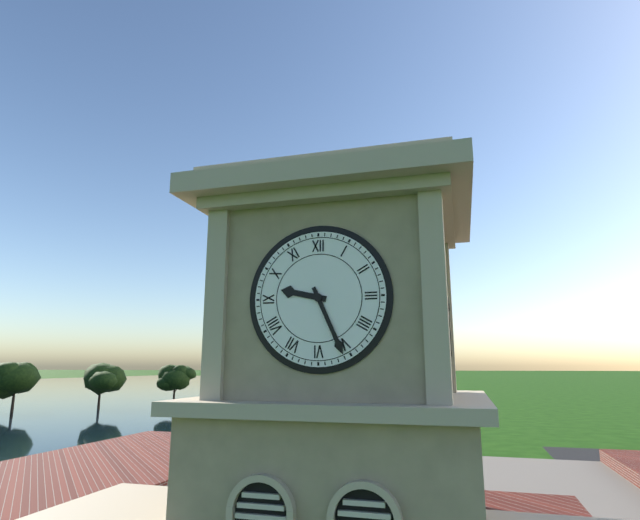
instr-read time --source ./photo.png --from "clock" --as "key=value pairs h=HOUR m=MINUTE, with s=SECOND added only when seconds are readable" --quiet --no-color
h=9 m=26
